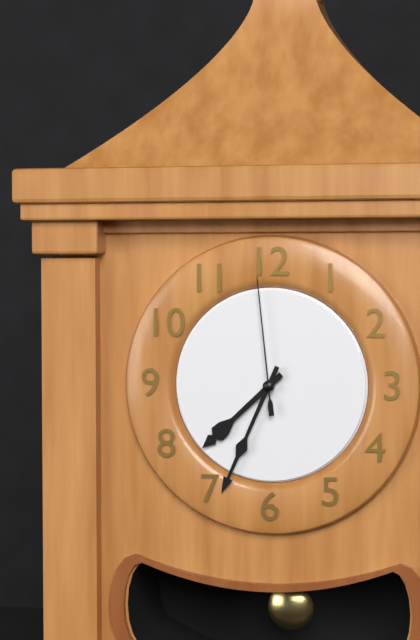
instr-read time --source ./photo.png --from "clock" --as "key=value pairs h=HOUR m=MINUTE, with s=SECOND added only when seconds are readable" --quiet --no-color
h=7 m=34 s=59
